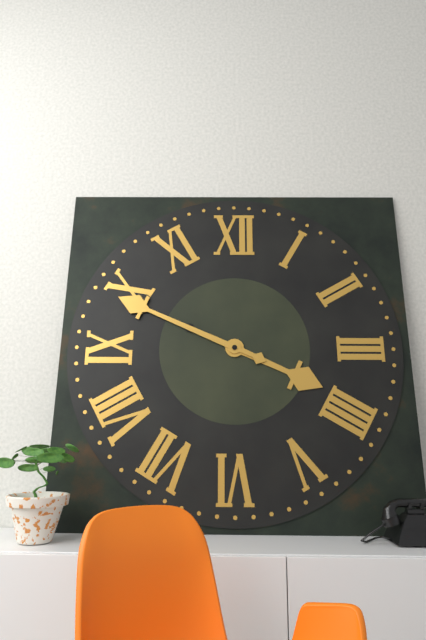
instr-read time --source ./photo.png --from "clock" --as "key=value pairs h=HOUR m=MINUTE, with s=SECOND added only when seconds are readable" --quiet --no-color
h=3 m=49
